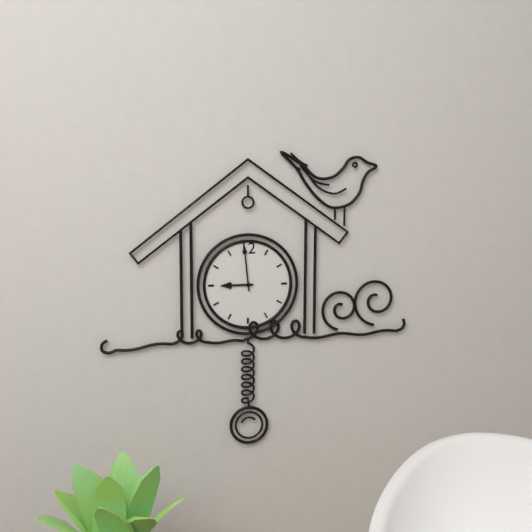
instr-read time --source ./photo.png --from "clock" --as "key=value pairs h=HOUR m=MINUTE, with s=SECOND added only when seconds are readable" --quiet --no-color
h=8 m=59
